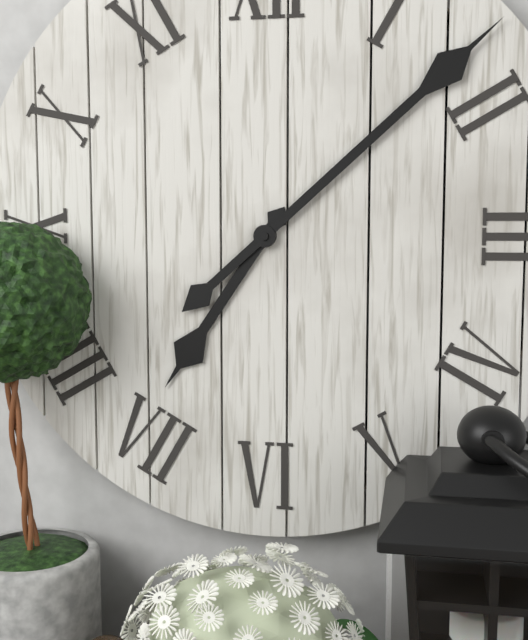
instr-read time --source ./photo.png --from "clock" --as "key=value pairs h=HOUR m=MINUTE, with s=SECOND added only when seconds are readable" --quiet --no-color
h=7 m=8
